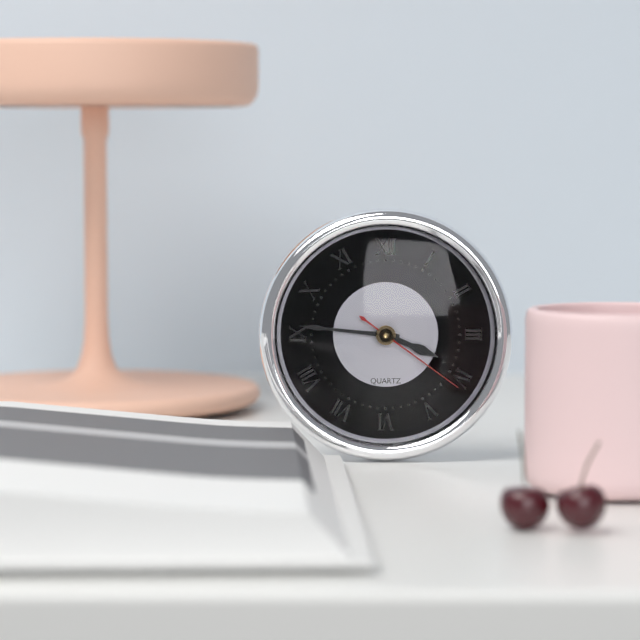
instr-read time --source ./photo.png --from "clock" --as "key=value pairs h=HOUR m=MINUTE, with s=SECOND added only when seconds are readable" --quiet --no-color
h=3 m=46 s=21
